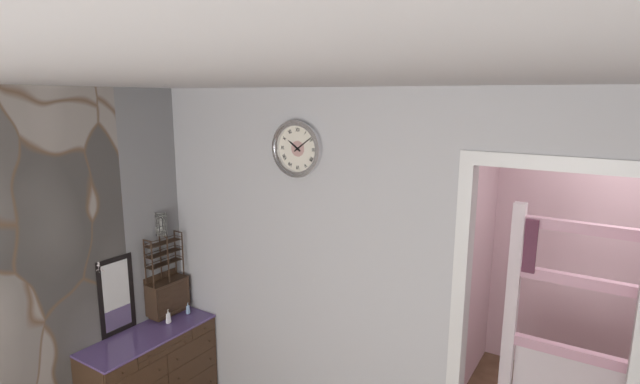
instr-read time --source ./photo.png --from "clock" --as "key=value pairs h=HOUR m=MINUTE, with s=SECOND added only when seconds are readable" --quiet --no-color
h=10 m=9
